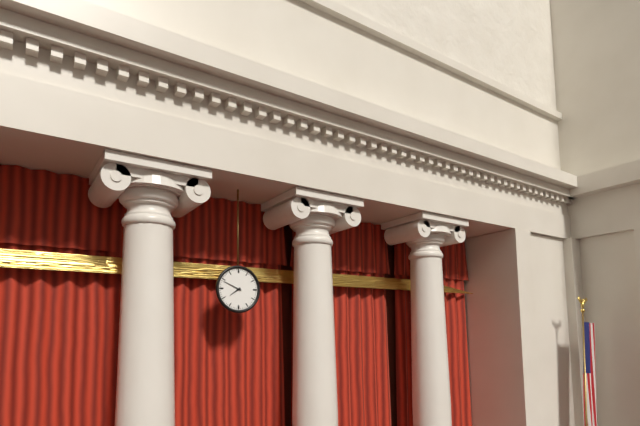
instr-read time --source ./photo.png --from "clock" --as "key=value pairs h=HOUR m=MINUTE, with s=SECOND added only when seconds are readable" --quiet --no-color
h=7 m=49
